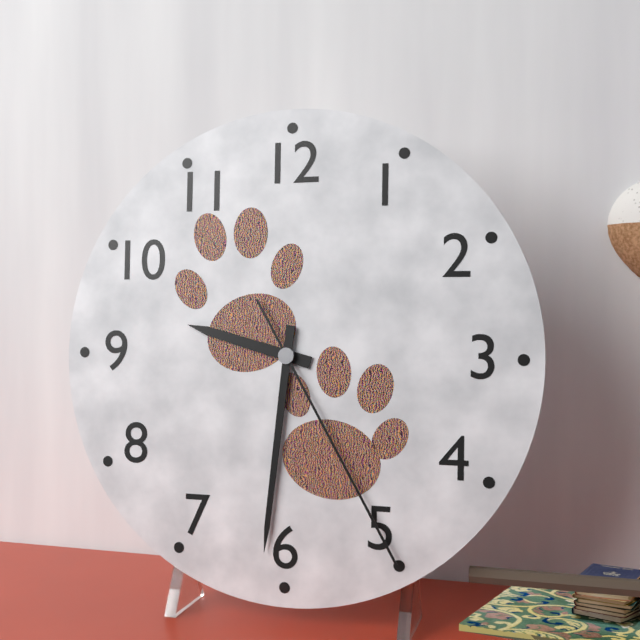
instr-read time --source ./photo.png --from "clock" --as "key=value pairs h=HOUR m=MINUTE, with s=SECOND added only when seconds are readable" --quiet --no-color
h=9 m=31 s=25
